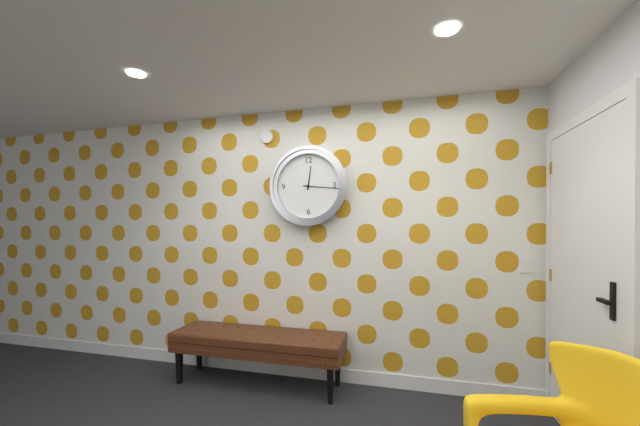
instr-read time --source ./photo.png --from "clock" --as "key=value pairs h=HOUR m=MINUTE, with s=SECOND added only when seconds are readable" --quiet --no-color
h=12 m=16
